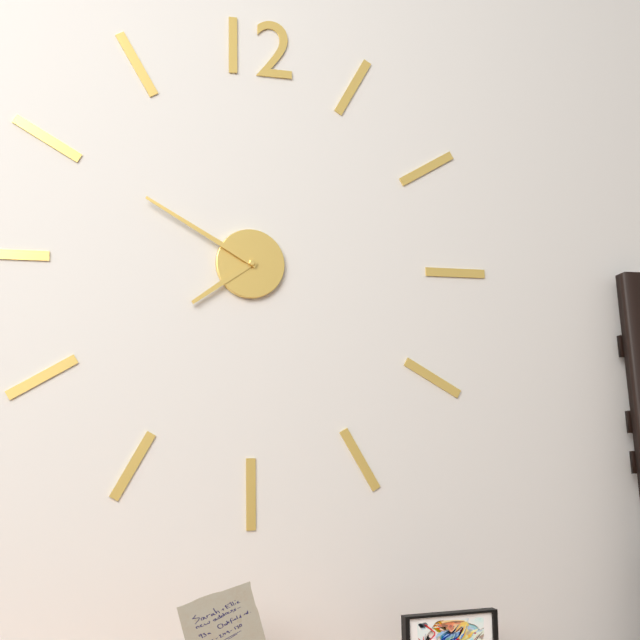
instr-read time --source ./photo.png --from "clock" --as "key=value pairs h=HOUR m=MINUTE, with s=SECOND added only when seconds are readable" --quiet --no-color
h=7 m=50
